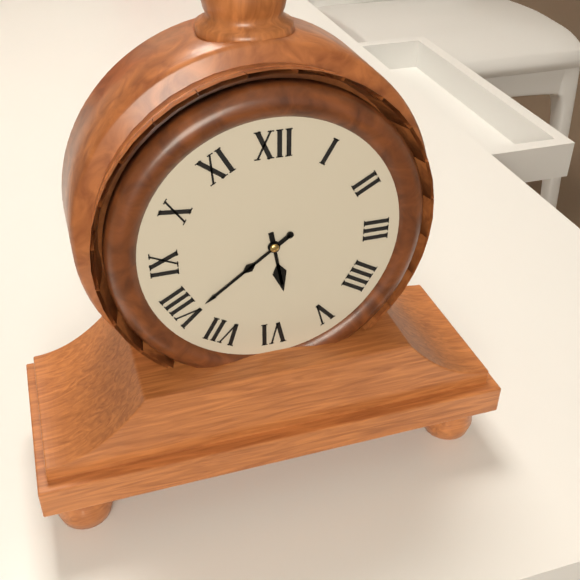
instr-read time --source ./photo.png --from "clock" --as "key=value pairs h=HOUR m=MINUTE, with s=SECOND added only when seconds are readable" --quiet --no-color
h=5 m=39
